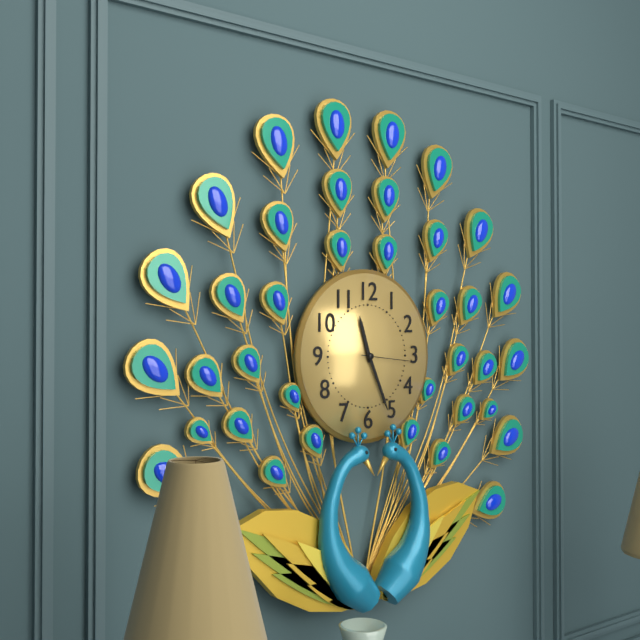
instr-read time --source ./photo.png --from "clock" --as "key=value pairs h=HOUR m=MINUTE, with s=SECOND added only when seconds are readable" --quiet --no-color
h=11 m=26 s=16
